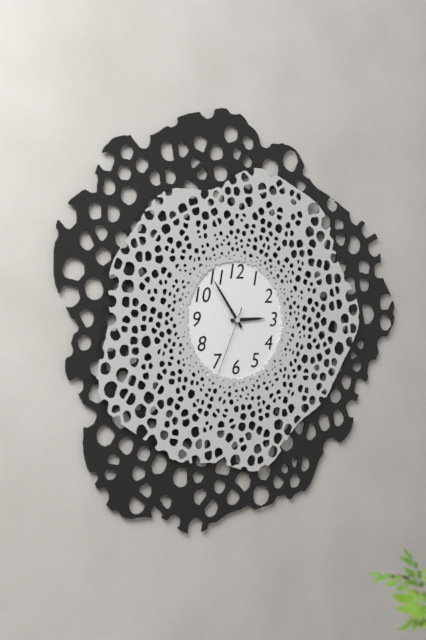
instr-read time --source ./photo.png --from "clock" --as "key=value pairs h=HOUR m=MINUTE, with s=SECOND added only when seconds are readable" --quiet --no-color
h=2 m=54 s=34
